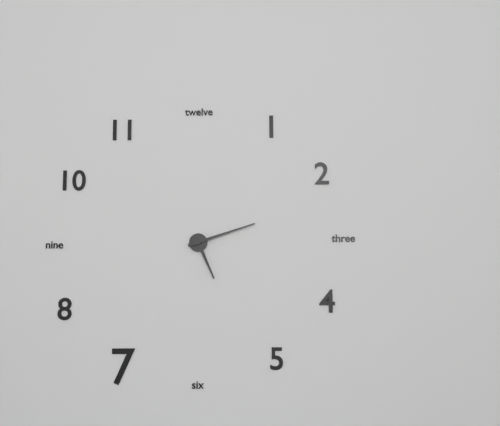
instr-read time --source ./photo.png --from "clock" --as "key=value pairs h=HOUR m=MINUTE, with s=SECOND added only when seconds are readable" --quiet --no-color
h=5 m=12
